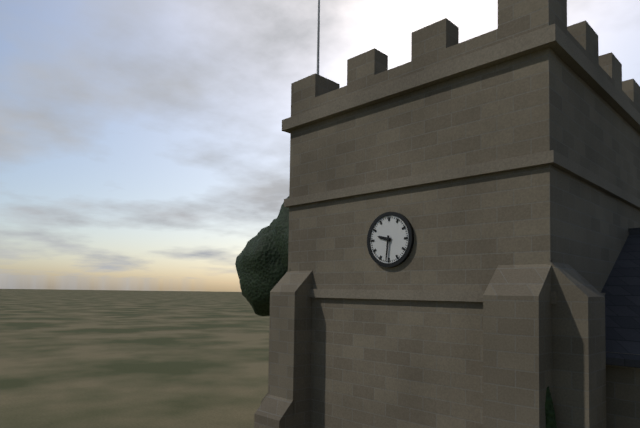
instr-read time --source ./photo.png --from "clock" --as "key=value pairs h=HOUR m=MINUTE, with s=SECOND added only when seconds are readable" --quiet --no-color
h=9 m=31
